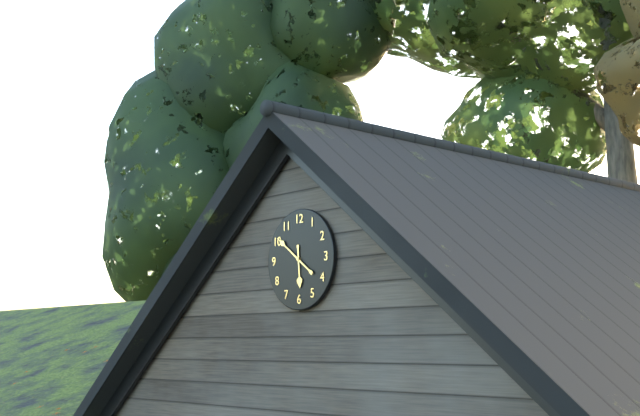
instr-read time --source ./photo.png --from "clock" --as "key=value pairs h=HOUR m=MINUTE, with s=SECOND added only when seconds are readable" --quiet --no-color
h=5 m=51
